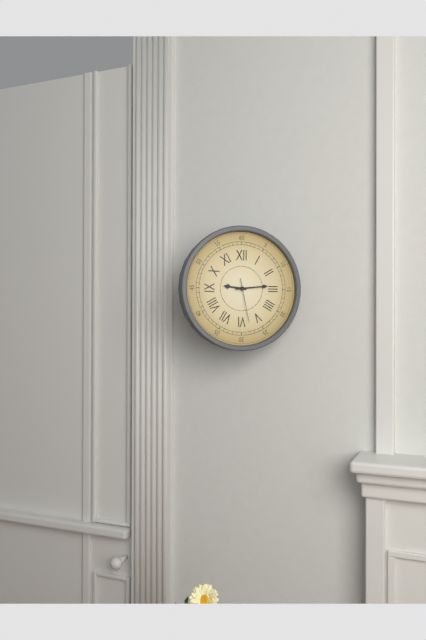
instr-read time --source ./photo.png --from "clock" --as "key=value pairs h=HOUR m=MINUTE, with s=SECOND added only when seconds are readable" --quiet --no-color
h=9 m=14
